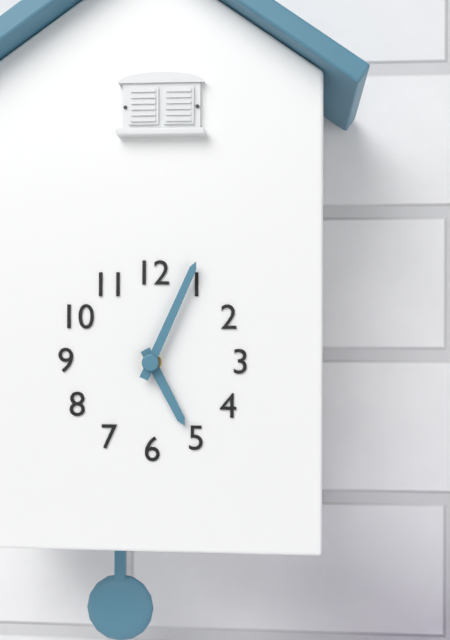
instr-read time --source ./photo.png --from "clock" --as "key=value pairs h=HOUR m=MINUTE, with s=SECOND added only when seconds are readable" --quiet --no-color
h=5 m=4
